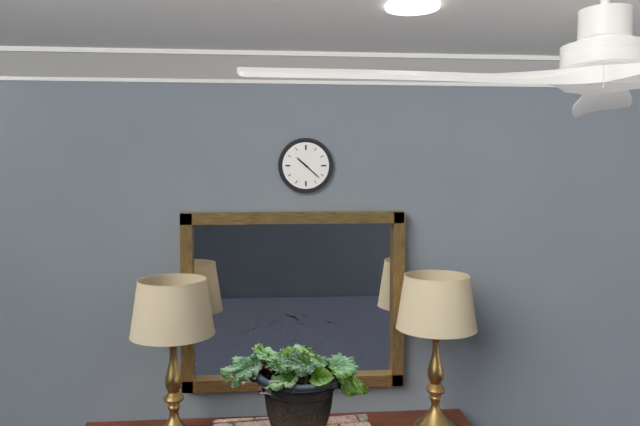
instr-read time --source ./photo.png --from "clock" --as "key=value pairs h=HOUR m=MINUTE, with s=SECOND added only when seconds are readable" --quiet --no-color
h=10 m=22
